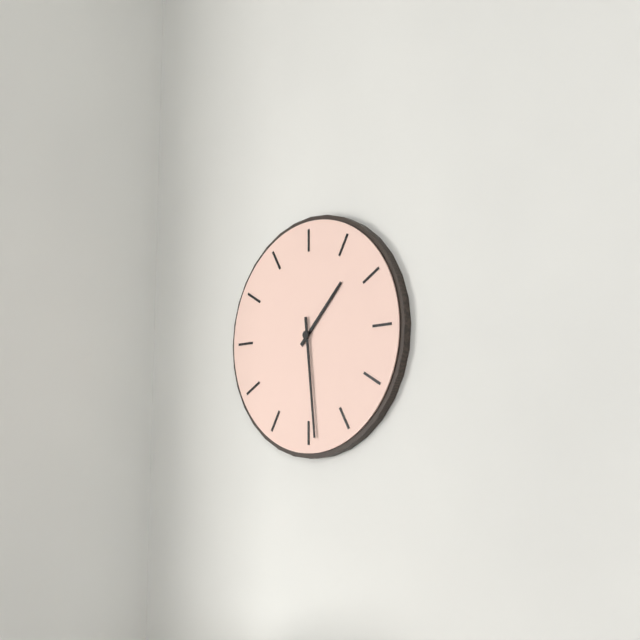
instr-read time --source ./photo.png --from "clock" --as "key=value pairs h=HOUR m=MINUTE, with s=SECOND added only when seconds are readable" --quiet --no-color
h=1 m=29
